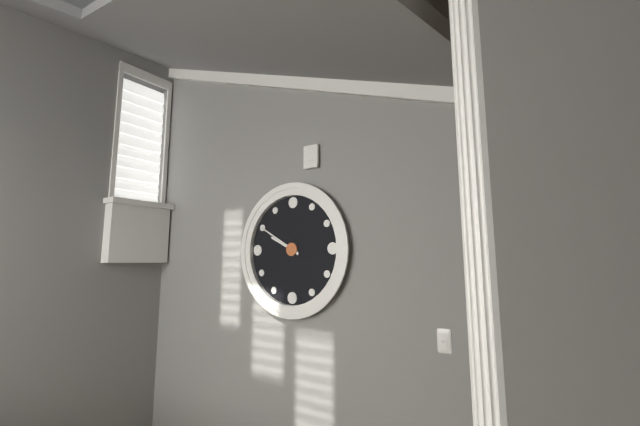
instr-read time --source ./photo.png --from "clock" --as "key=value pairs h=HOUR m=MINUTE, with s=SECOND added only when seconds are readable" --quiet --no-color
h=9 m=50
